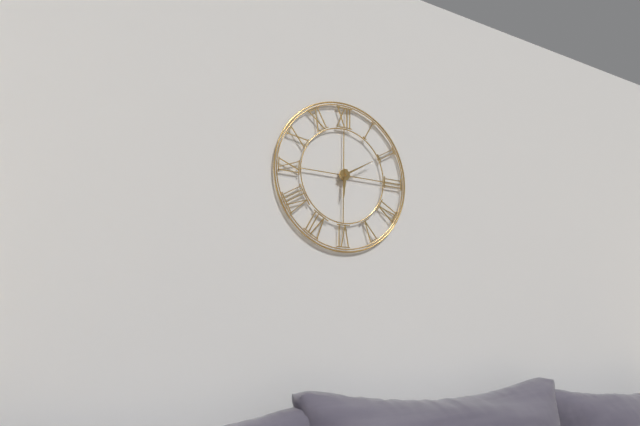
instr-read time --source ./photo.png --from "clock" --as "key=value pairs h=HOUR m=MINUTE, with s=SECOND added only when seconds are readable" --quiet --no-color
h=6 m=10
